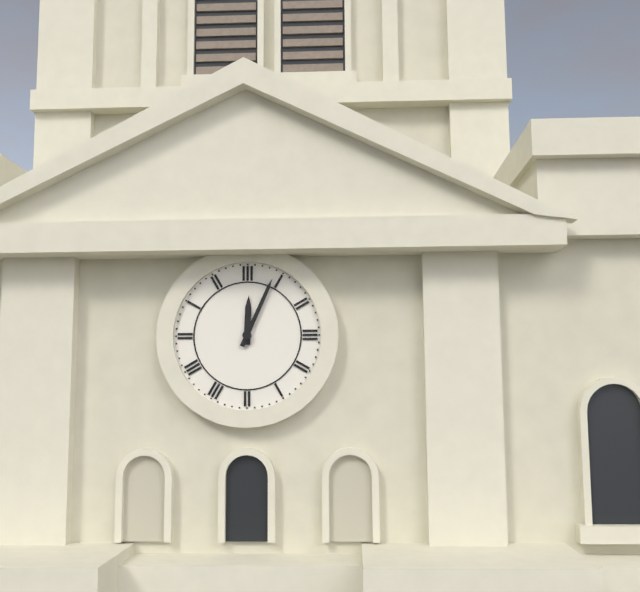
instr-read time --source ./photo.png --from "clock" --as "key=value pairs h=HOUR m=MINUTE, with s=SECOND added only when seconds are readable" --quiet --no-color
h=12 m=4
